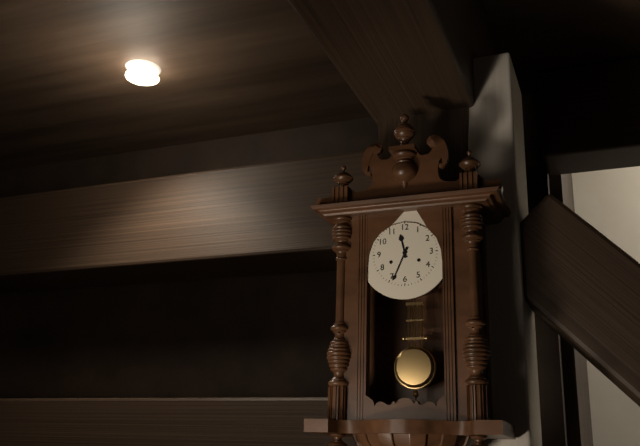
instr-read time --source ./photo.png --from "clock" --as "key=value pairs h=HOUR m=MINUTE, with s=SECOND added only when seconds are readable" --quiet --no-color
h=11 m=34
